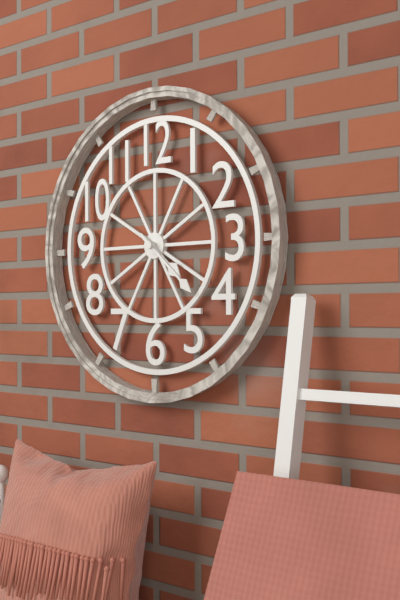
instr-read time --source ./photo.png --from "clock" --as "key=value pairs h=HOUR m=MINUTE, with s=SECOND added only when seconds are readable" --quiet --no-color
h=4 m=22
